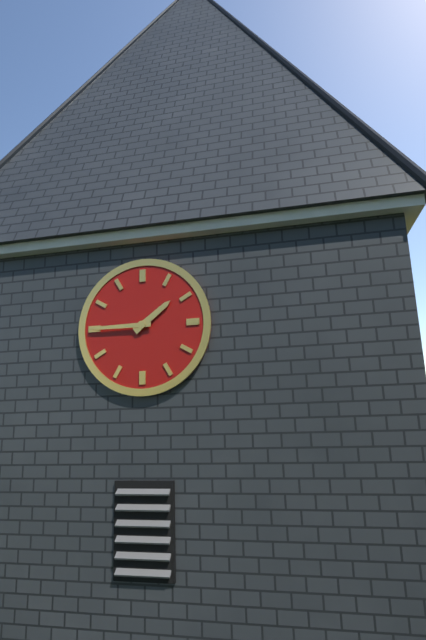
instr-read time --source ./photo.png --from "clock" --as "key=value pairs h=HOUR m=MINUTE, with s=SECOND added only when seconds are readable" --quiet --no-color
h=1 m=45
